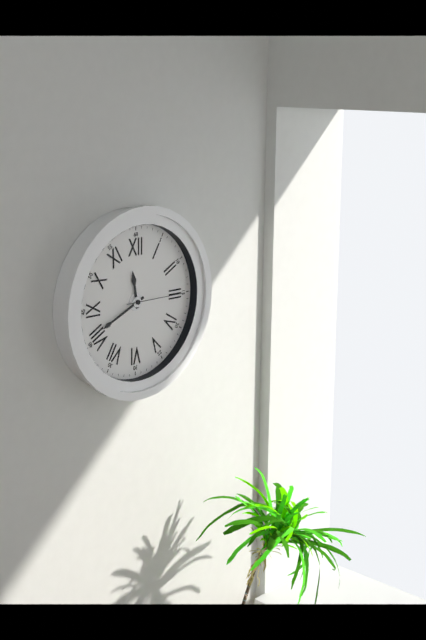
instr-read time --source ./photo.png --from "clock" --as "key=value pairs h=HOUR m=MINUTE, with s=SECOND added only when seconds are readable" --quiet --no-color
h=11 m=41 s=15
